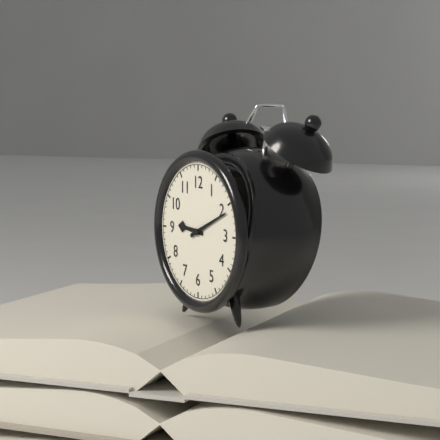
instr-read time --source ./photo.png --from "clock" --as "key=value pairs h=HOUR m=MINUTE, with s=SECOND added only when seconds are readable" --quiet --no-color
h=9 m=11
